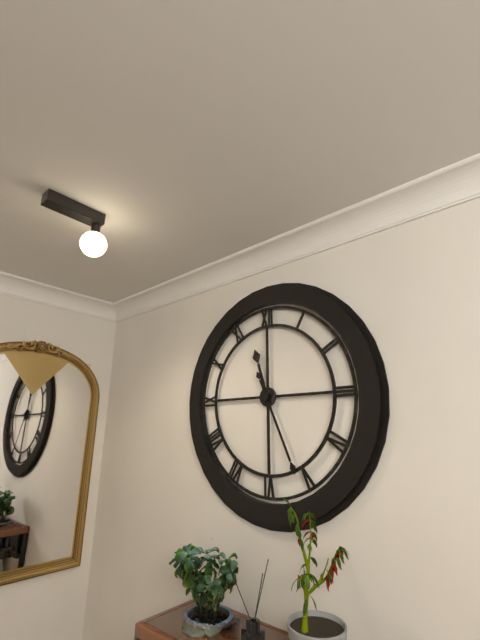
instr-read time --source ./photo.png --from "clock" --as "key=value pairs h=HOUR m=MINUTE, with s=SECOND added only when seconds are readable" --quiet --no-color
h=11 m=26
